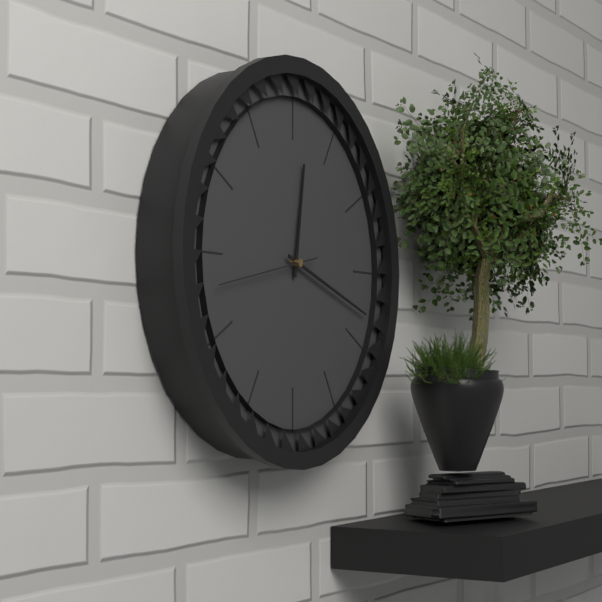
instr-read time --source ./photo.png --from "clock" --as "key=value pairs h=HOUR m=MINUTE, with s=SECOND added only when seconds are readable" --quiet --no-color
h=12 m=18 s=43
